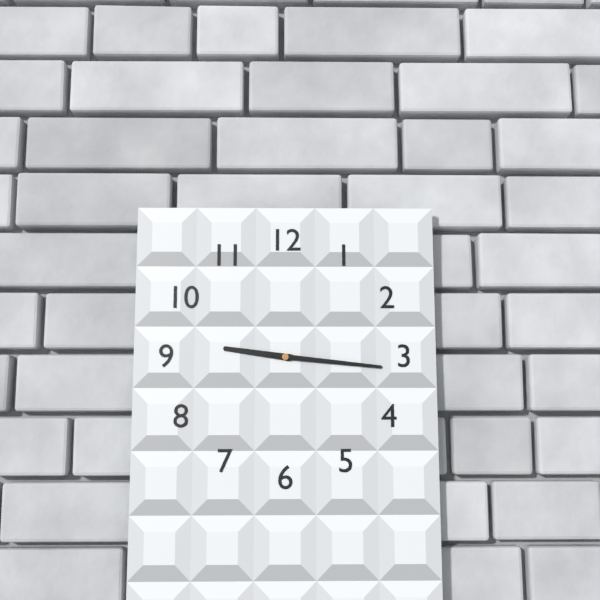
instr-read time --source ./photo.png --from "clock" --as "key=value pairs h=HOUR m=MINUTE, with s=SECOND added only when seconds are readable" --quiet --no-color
h=9 m=16 s=16
